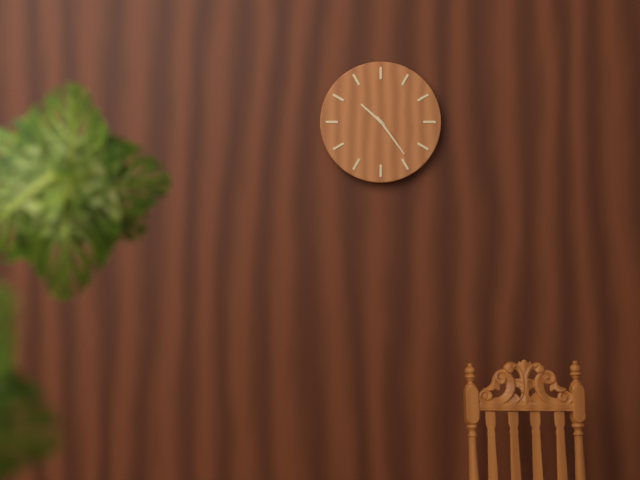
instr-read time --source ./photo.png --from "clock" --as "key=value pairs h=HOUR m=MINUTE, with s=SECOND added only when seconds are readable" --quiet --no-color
h=10 m=24
